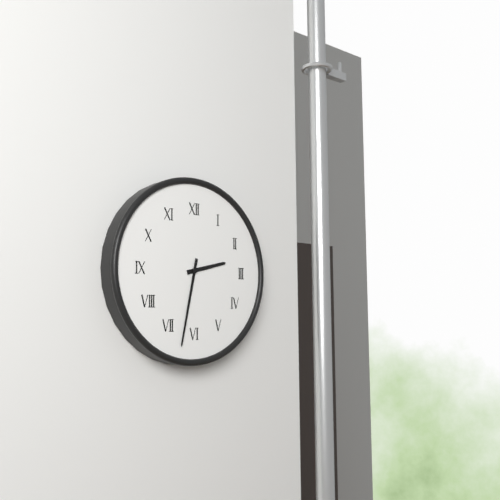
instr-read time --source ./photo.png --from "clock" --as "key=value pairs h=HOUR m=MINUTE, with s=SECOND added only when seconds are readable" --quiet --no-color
h=2 m=32
